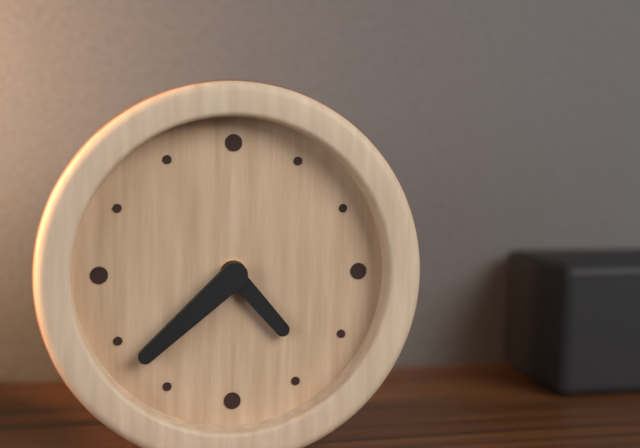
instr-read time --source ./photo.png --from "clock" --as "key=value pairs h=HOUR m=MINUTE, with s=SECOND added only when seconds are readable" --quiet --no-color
h=4 m=38
